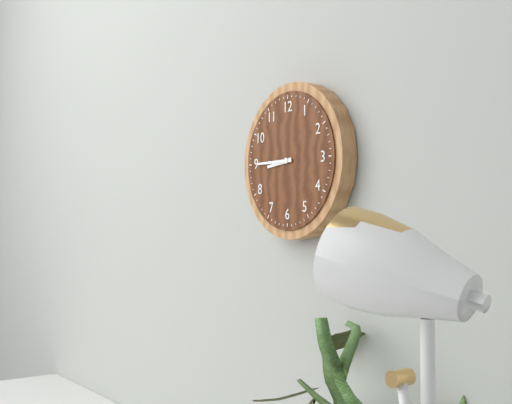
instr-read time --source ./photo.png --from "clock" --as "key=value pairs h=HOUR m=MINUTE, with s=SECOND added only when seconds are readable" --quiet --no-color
h=8 m=45
